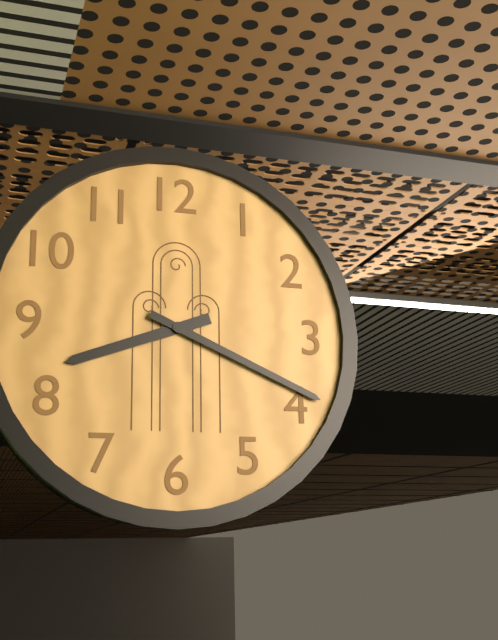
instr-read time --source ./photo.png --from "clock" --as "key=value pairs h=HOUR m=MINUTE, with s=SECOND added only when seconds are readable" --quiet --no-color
h=8 m=19
